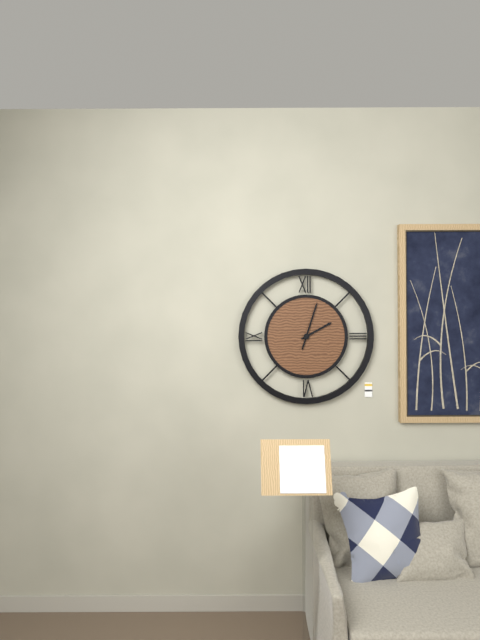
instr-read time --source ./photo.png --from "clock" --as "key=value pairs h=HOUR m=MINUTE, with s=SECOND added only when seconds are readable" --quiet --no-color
h=2 m=3
